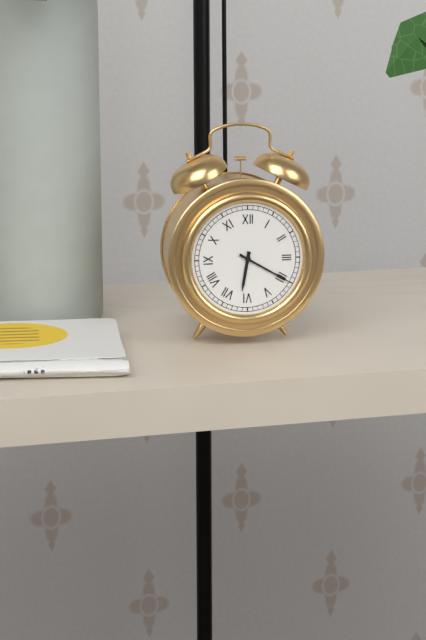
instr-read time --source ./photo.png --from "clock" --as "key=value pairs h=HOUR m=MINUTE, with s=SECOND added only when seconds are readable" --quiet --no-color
h=6 m=20
